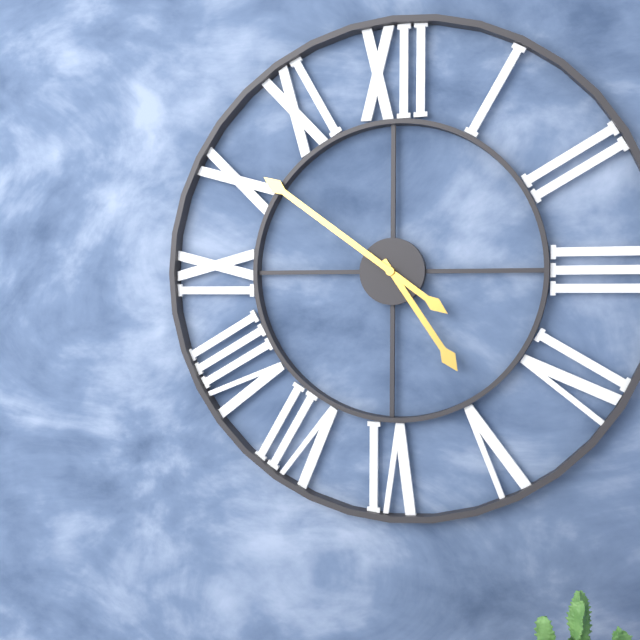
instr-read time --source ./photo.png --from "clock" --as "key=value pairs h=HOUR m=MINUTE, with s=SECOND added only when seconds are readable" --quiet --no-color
h=4 m=51
